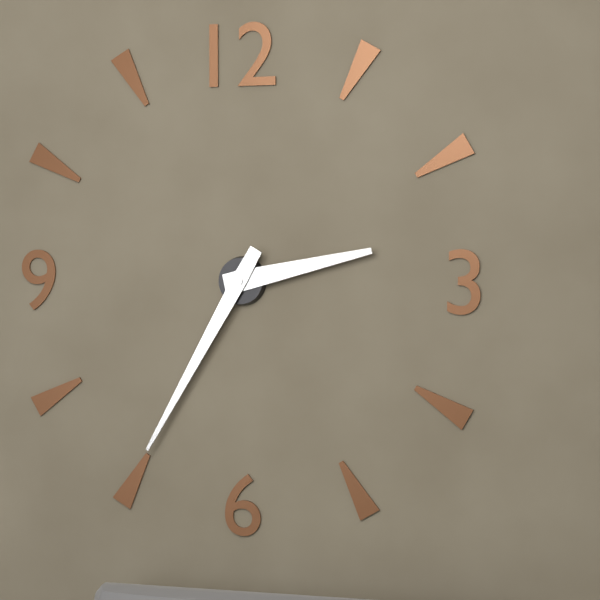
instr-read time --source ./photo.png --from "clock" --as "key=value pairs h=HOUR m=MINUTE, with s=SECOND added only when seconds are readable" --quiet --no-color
h=2 m=35
